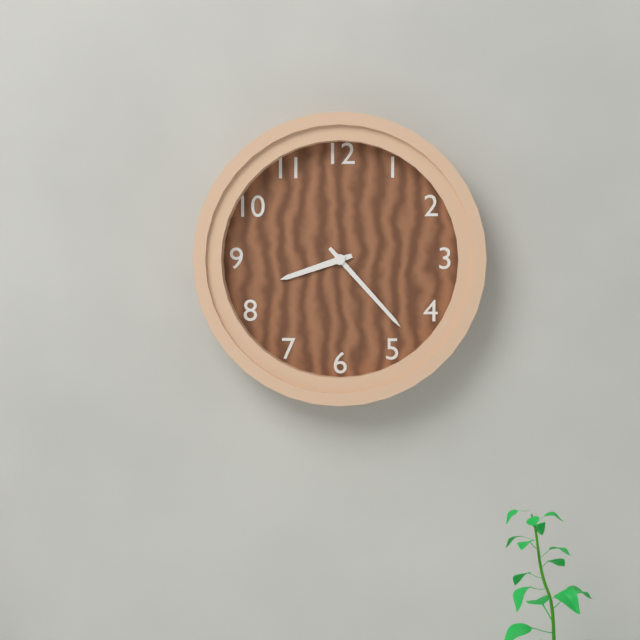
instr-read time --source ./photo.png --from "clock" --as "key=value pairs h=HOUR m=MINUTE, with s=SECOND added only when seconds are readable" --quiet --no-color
h=8 m=23
